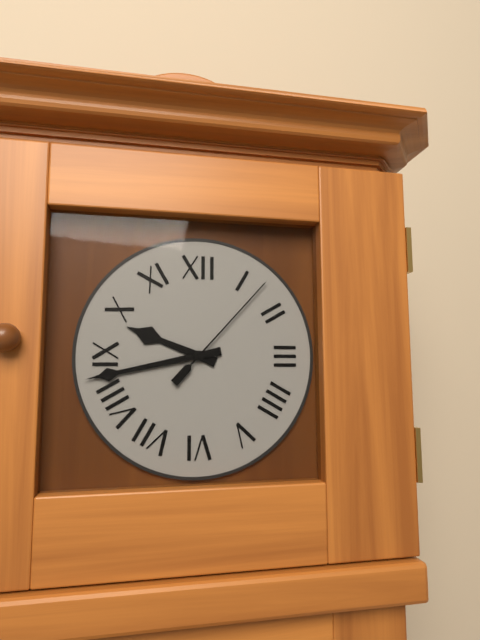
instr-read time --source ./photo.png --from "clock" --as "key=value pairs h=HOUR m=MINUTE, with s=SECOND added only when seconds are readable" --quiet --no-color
h=9 m=43 s=7
